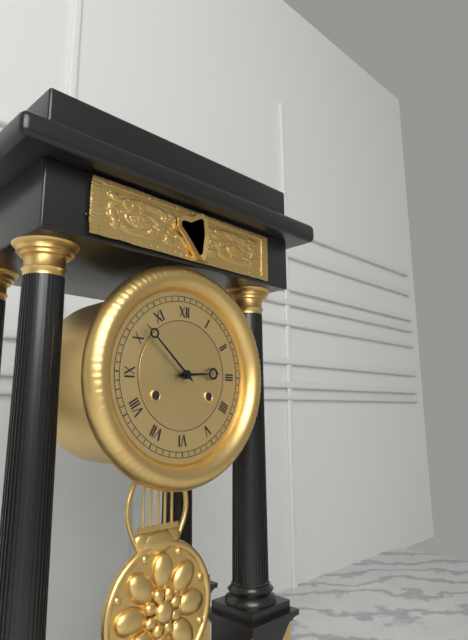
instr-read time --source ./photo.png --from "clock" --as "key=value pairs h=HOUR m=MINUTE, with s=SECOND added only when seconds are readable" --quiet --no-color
h=2 m=52
